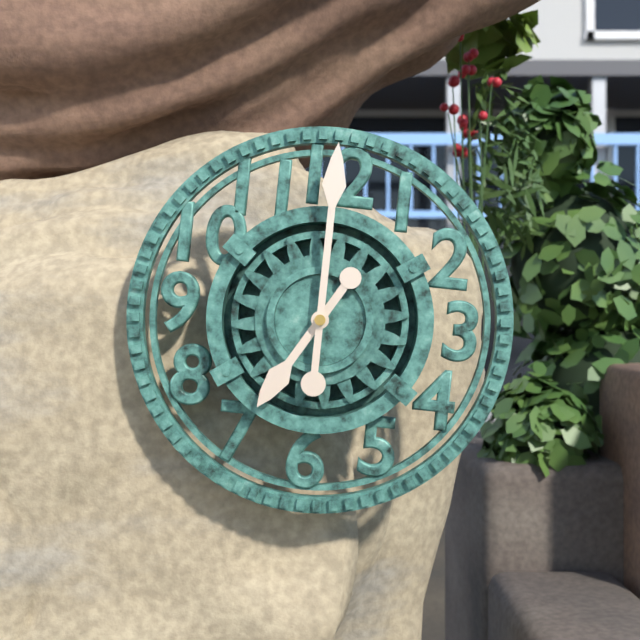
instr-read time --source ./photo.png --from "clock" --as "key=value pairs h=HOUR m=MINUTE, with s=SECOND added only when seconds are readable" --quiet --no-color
h=7 m=0
